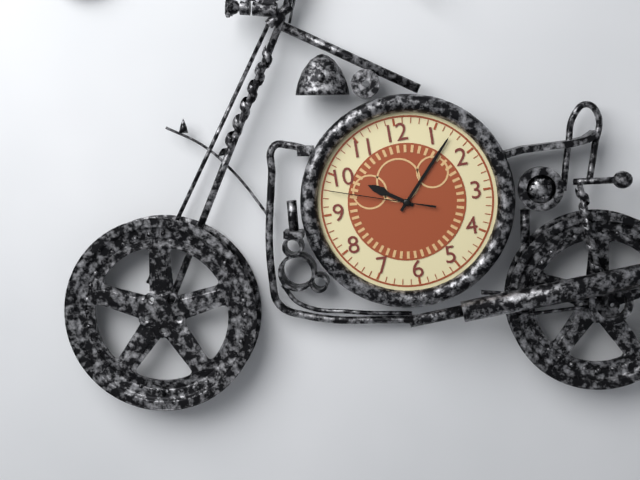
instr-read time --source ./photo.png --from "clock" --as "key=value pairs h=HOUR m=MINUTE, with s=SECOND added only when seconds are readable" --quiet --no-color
h=10 m=7 s=48
